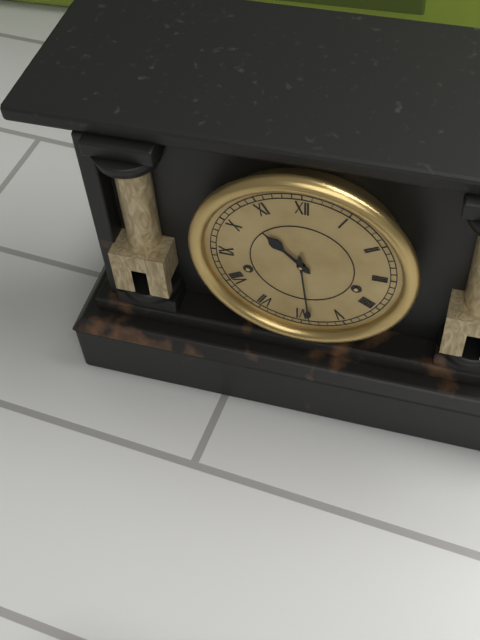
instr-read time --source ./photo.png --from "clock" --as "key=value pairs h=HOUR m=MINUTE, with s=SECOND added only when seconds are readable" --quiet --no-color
h=10 m=29
